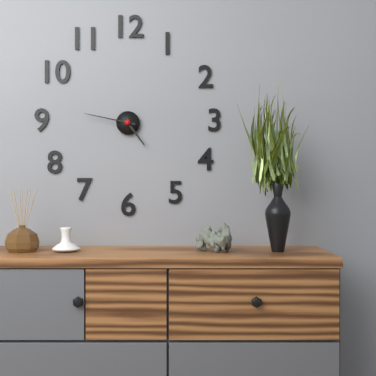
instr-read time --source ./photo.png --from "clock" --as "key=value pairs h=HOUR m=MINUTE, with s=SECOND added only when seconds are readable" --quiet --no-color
h=4 m=47
